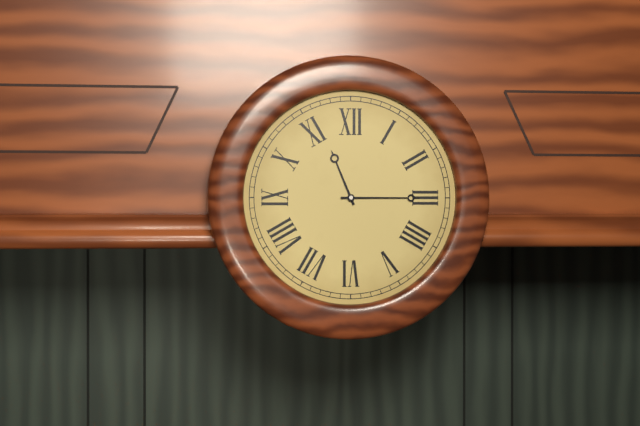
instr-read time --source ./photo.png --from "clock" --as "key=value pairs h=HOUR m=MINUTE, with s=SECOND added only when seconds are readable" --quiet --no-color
h=11 m=15
